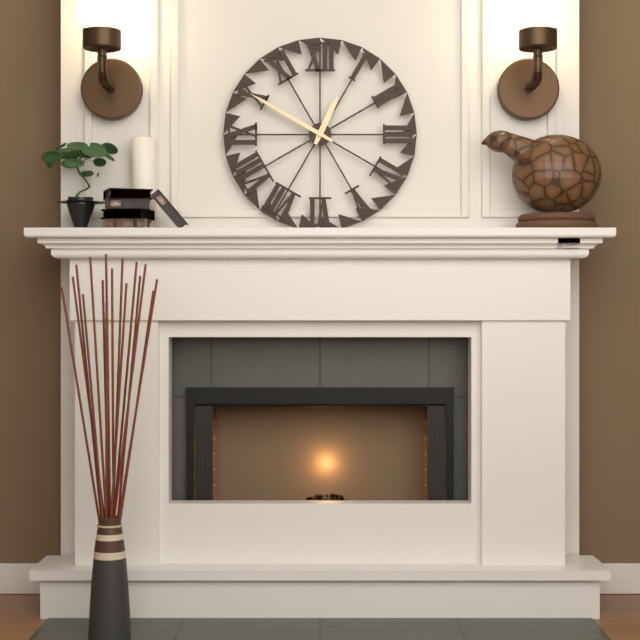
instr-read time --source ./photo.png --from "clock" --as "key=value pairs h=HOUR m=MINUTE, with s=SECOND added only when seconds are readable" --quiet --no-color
h=12 m=50
